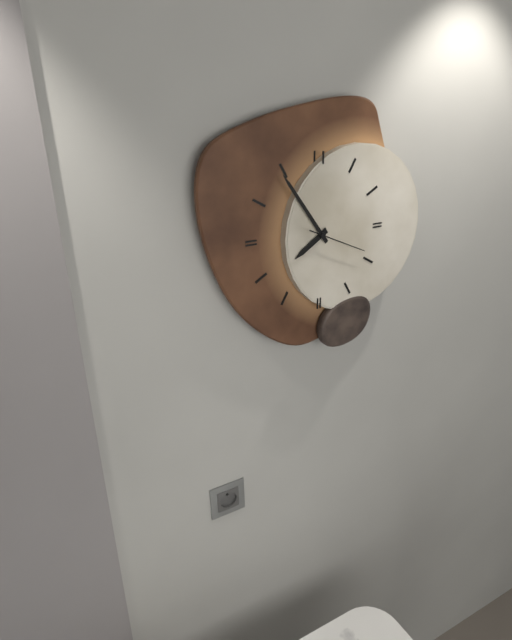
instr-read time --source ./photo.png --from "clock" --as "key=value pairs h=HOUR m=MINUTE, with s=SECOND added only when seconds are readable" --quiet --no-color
h=7 m=54 s=19
